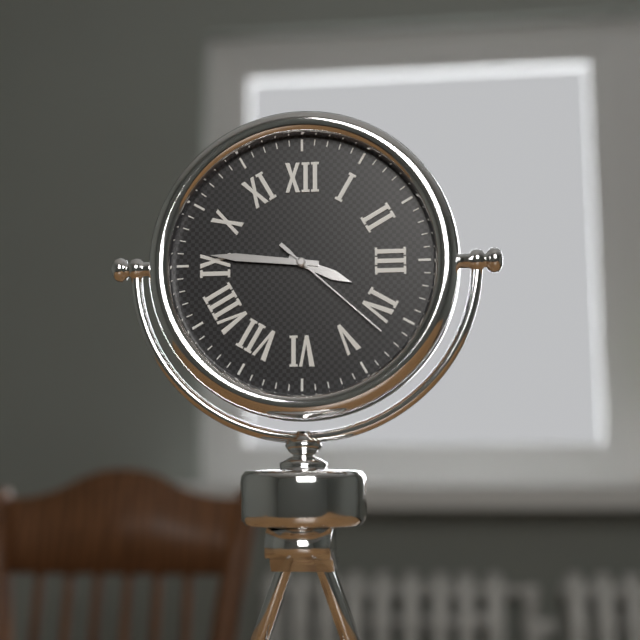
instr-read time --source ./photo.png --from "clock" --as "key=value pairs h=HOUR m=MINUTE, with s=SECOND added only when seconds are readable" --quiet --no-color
h=3 m=46 s=22
